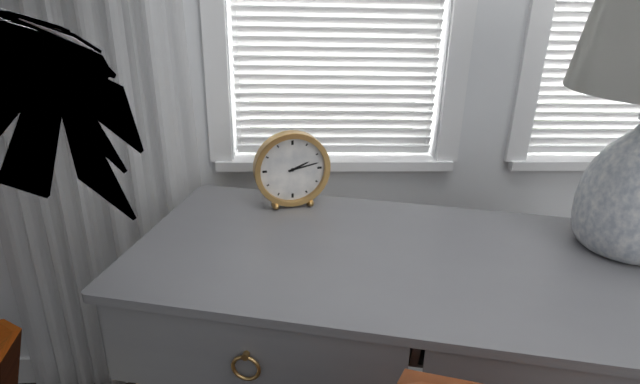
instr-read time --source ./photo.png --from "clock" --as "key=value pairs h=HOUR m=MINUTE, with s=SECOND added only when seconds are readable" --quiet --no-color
h=2 m=13
